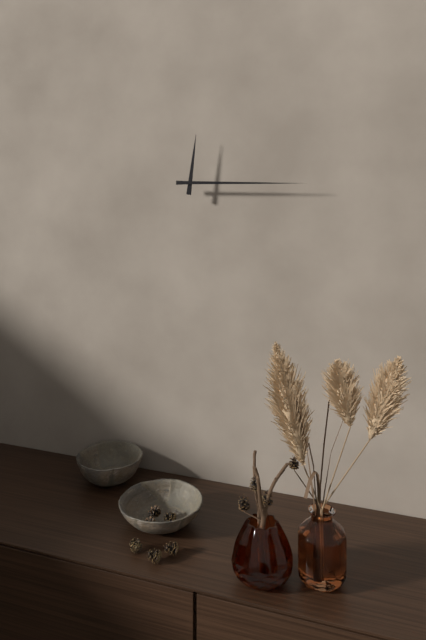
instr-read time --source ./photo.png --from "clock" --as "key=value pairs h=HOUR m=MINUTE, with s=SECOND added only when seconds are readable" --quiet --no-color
h=12 m=15
